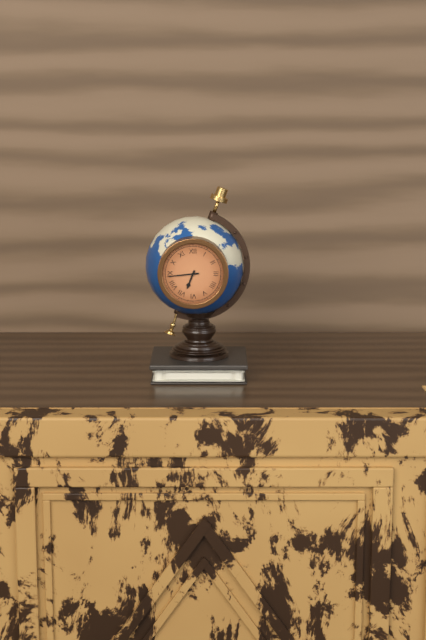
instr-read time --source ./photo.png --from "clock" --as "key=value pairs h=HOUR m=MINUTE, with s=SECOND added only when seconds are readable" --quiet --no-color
h=6 m=44
